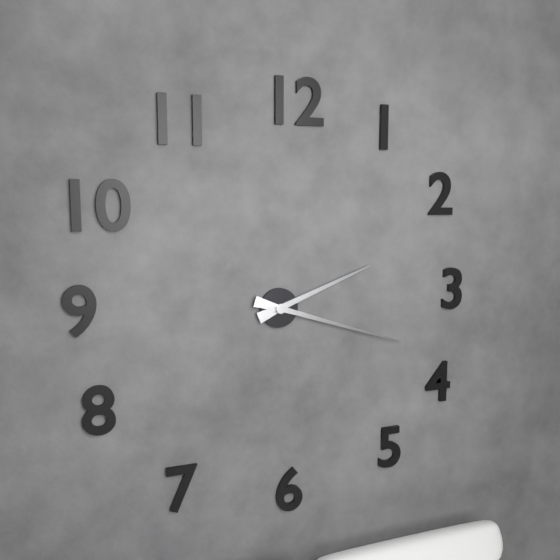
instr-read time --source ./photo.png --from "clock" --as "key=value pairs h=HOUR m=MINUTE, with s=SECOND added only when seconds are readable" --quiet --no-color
h=2 m=18
